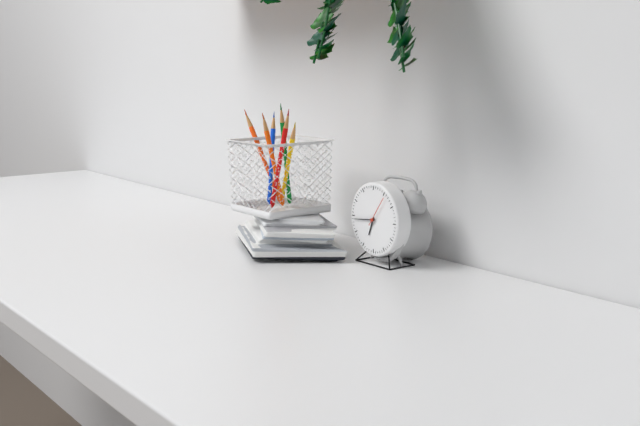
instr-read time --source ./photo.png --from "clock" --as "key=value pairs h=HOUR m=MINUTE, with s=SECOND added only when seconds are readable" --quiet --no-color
h=6 m=44
